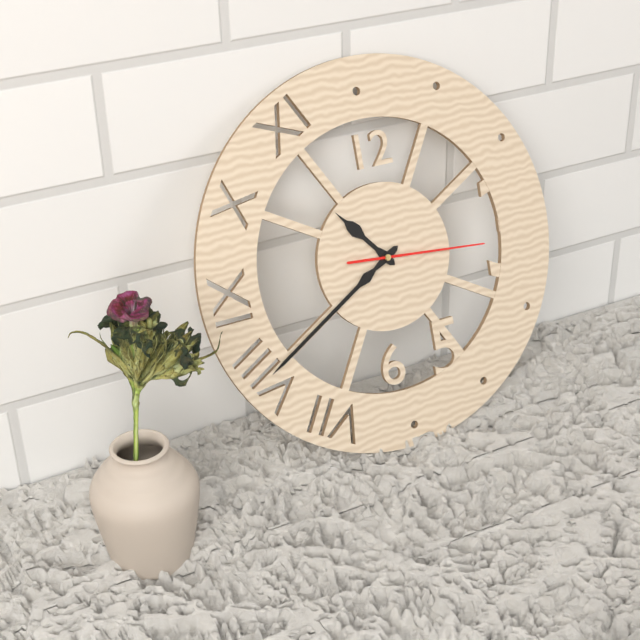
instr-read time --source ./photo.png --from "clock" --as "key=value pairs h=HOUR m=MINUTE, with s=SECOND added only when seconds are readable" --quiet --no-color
h=10 m=40 s=16
